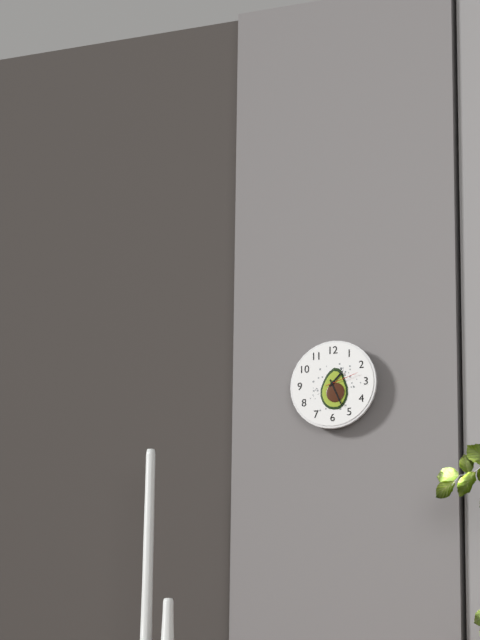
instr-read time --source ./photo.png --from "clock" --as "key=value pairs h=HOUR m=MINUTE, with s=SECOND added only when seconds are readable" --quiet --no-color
h=1 m=26
